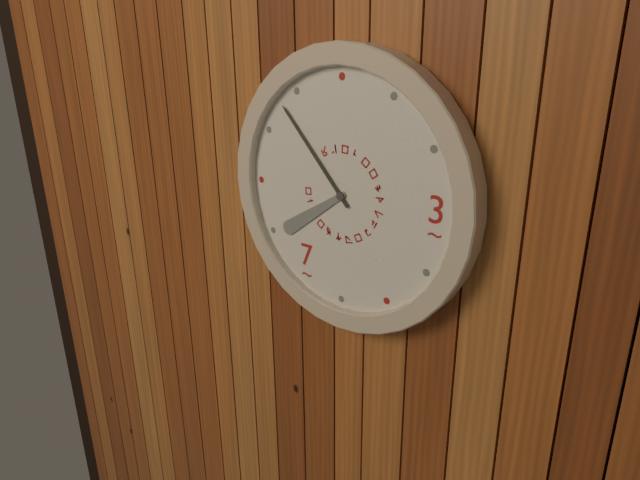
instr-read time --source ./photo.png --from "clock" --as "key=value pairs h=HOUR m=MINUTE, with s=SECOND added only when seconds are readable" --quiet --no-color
h=7 m=53
